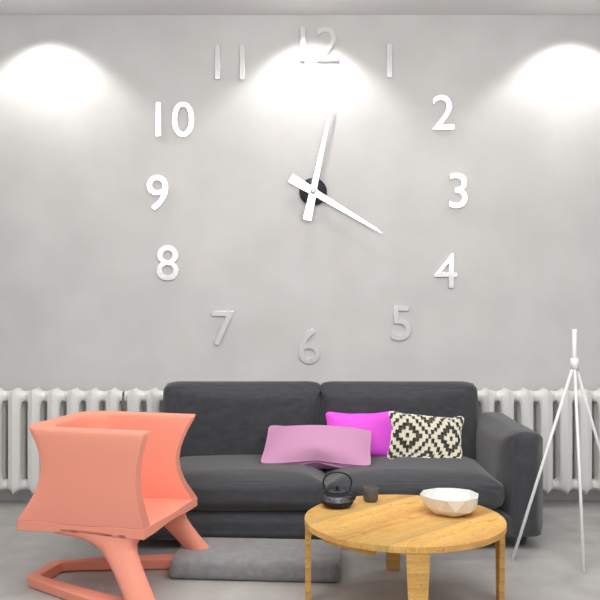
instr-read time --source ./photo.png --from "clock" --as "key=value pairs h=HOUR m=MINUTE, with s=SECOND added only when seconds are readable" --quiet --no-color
h=4 m=2
